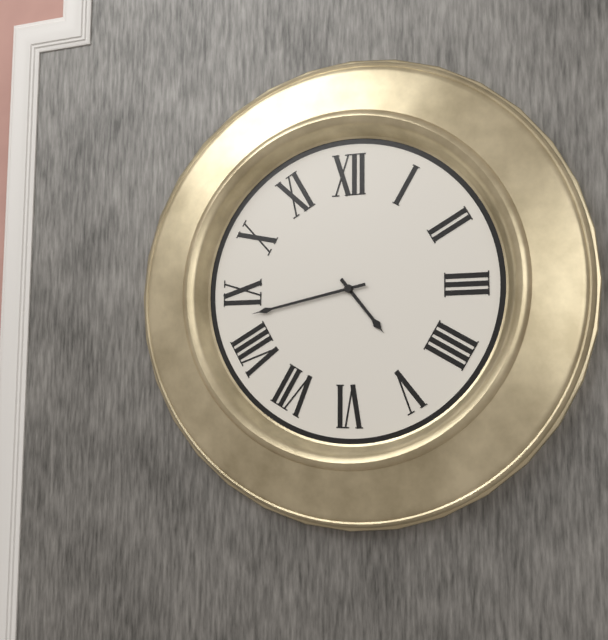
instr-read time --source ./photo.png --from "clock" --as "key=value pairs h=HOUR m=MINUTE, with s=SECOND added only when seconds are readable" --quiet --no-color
h=4 m=43
